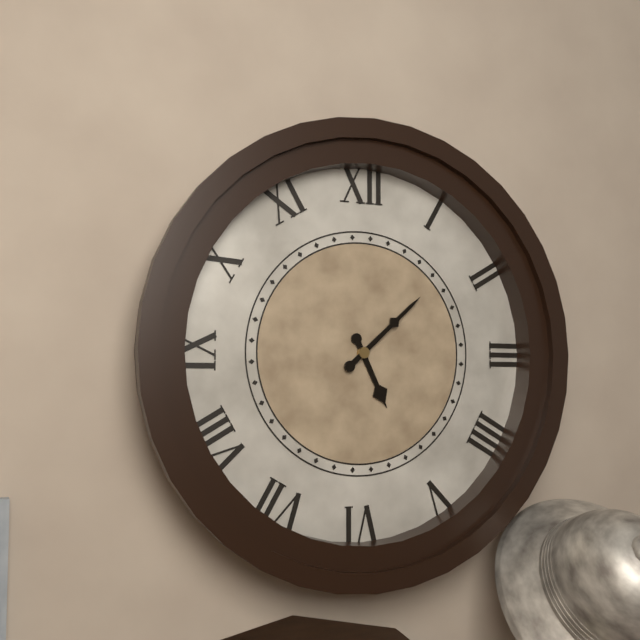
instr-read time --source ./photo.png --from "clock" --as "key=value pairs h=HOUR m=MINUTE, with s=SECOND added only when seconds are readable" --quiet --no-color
h=5 m=8
